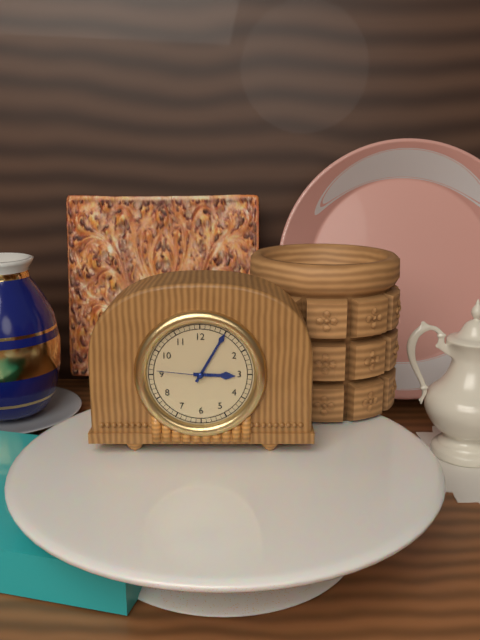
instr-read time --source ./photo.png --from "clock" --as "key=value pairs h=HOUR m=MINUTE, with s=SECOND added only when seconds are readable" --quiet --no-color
h=3 m=5 s=46
